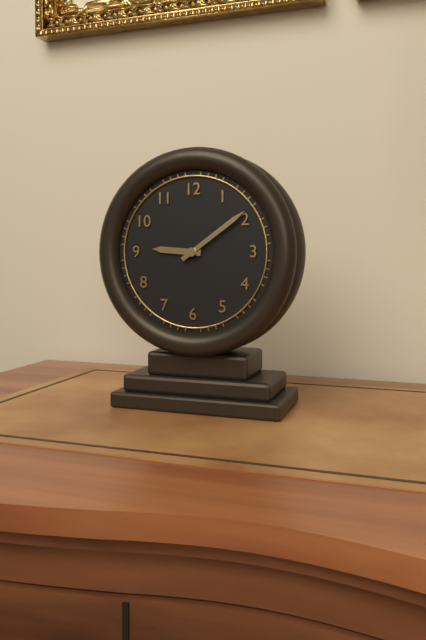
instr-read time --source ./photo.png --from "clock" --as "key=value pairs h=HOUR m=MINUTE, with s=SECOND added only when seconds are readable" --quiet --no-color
h=9 m=9
